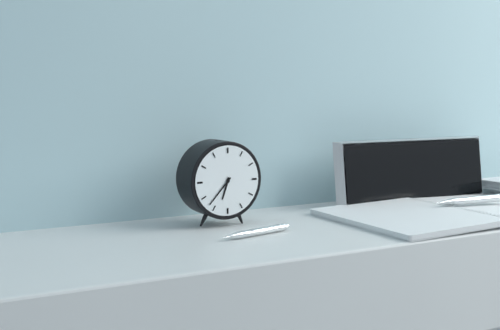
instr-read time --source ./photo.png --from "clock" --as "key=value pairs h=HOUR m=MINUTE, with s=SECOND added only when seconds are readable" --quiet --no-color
h=6 m=37
